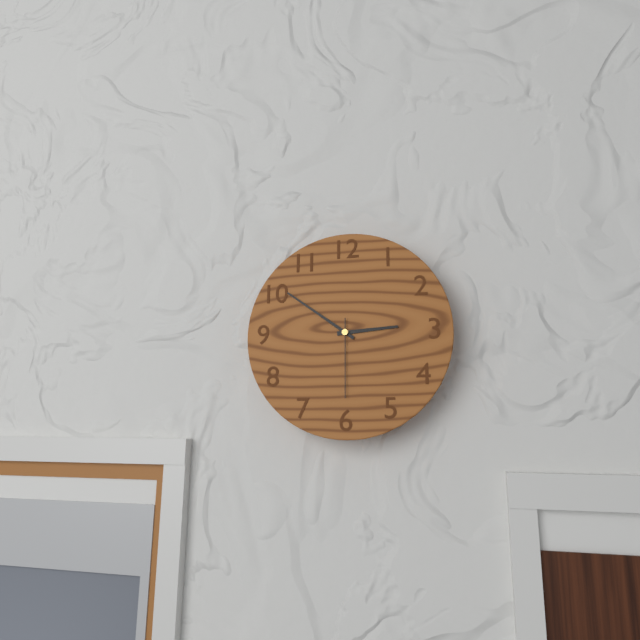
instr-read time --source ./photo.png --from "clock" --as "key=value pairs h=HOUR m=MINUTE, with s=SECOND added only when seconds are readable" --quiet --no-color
h=2 m=51 s=30
